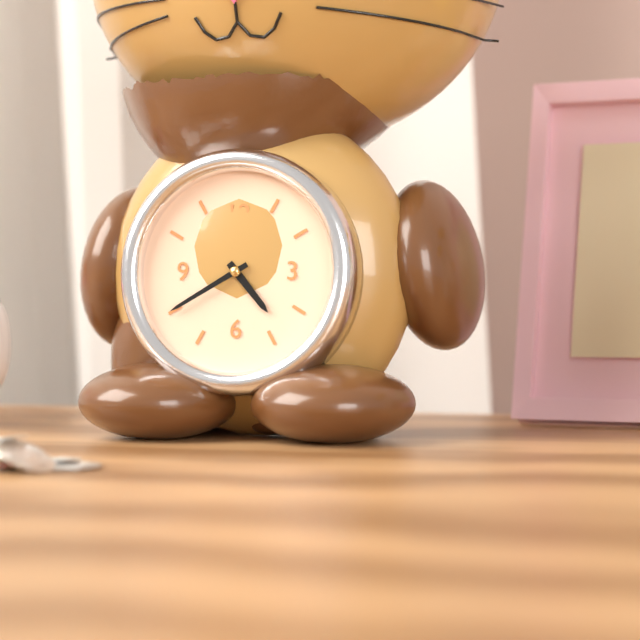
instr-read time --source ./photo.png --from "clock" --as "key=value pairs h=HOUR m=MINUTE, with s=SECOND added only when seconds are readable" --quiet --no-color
h=4 m=40
